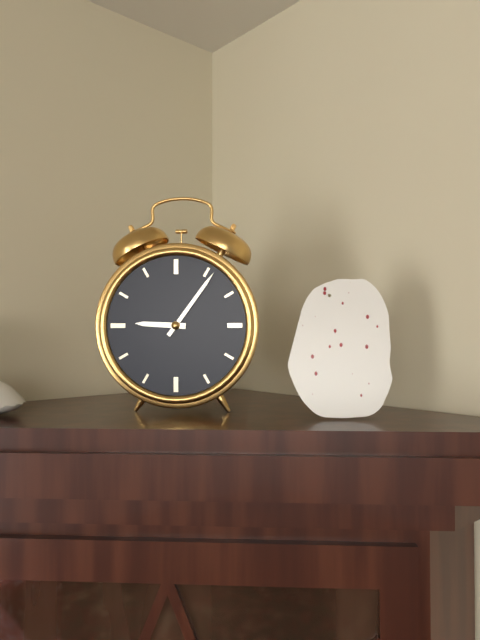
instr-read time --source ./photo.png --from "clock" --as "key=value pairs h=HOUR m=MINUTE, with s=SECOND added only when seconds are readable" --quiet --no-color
h=9 m=6
